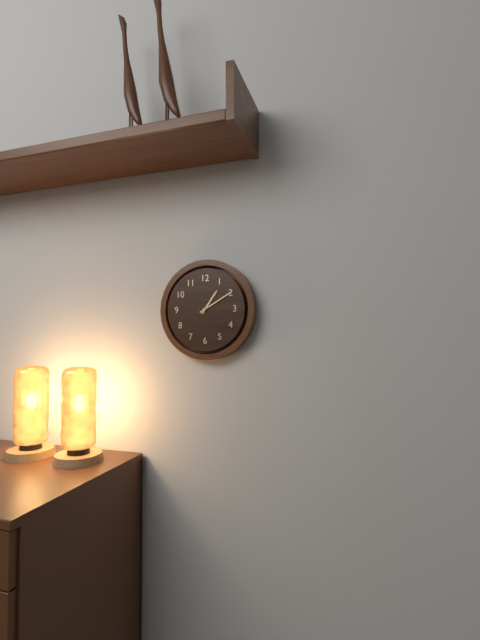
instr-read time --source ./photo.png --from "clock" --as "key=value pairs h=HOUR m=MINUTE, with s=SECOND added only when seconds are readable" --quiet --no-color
h=1 m=10
